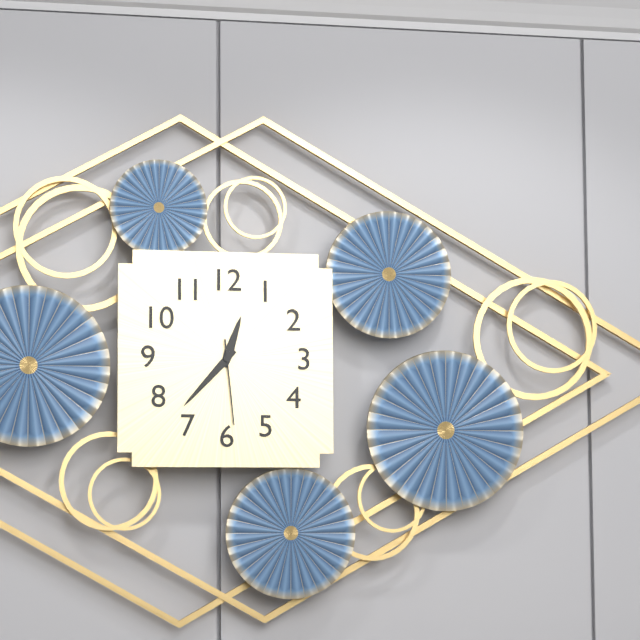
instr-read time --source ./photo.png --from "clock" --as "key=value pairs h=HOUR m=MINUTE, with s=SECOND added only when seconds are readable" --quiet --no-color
h=12 m=37 s=29
